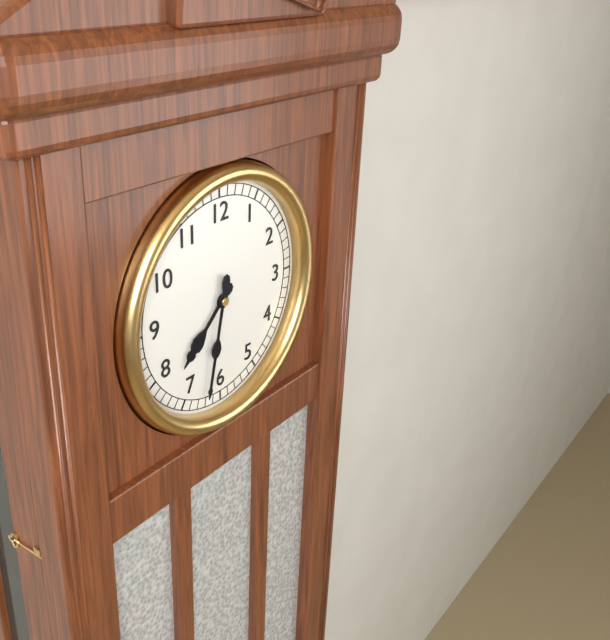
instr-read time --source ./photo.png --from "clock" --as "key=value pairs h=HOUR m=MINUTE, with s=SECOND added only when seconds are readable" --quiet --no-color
h=7 m=32
